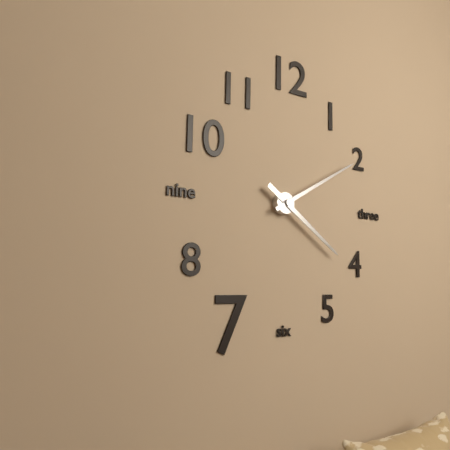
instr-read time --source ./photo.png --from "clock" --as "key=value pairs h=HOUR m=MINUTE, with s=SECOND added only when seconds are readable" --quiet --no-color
h=4 m=10
